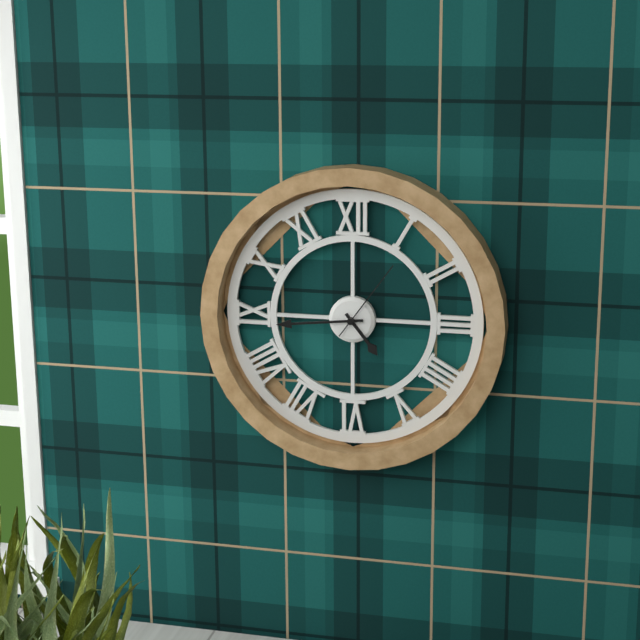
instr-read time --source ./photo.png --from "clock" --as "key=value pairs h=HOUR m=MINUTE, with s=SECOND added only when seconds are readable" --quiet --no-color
h=4 m=44 s=6
